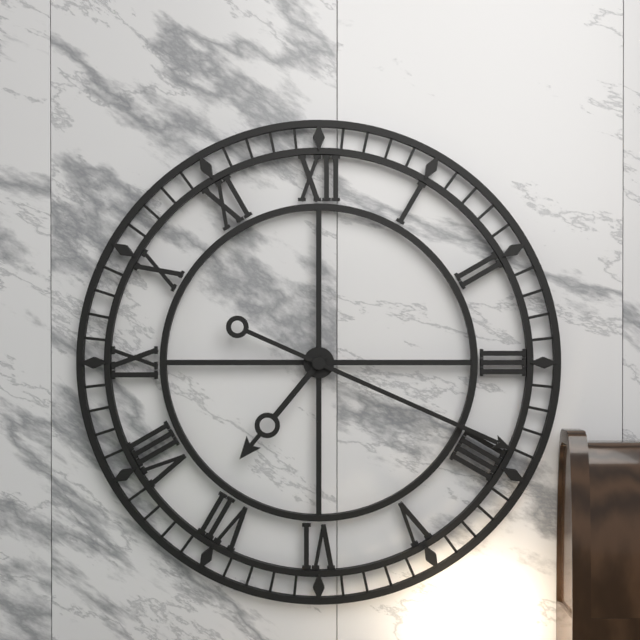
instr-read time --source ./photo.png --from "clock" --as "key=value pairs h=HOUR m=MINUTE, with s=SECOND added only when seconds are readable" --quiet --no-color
h=7 m=19
